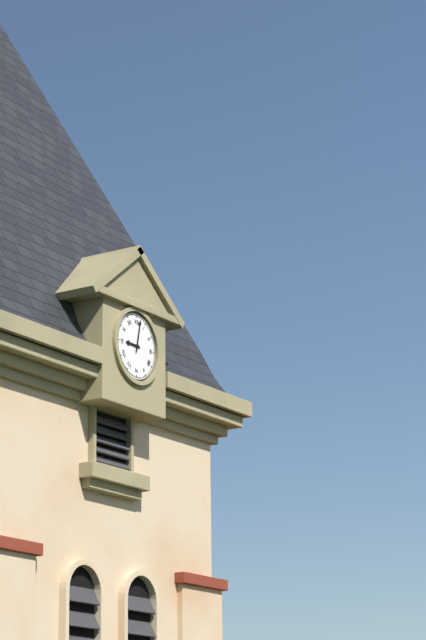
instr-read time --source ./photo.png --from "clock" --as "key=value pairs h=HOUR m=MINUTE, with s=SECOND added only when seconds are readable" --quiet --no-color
h=9 m=2
